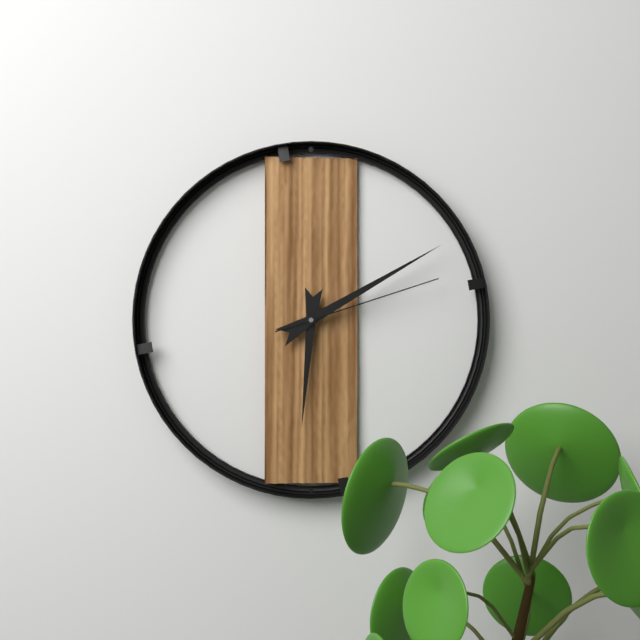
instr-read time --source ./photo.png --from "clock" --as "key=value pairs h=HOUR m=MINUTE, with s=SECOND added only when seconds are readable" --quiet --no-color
h=6 m=10 s=12
